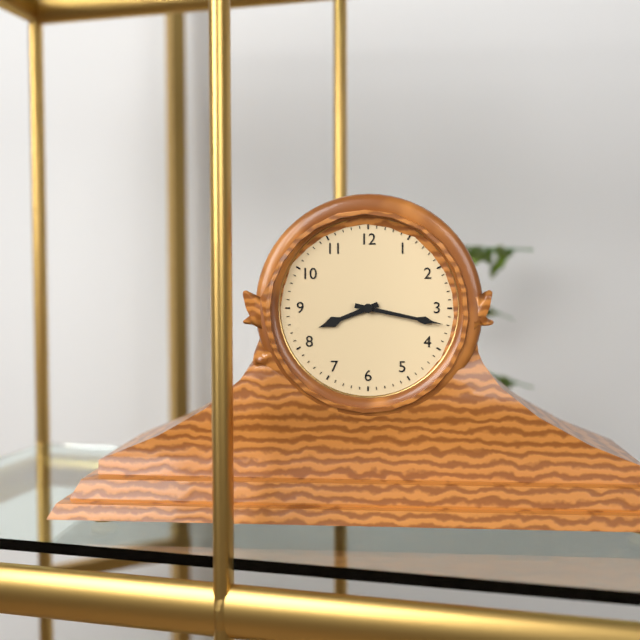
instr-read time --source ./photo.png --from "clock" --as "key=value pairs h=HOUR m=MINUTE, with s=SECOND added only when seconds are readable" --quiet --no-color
h=8 m=17
